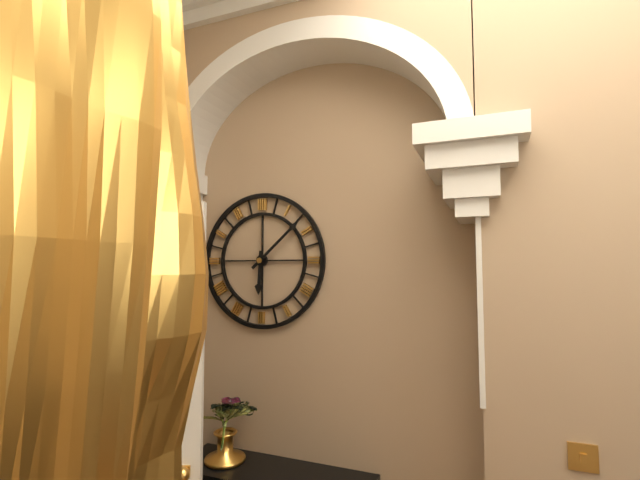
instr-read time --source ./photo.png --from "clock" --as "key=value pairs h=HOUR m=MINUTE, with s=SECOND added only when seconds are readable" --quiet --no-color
h=6 m=8
